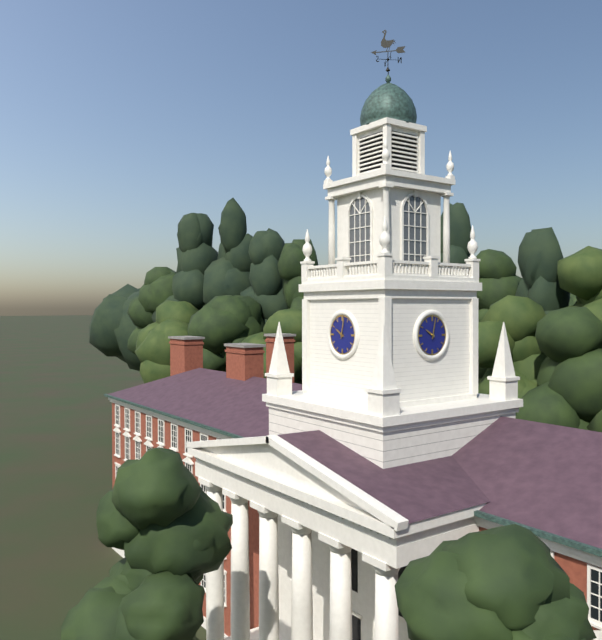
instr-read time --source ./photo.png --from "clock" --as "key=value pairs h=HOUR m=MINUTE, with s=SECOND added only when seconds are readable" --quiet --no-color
h=10 m=2
